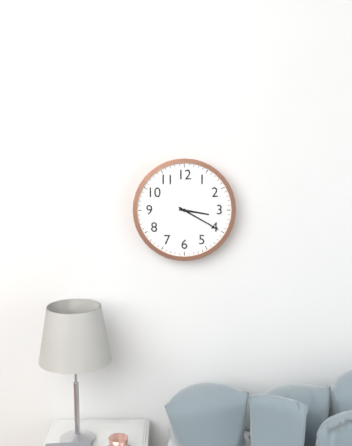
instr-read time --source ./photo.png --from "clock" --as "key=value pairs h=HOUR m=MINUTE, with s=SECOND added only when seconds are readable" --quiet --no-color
h=3 m=20
